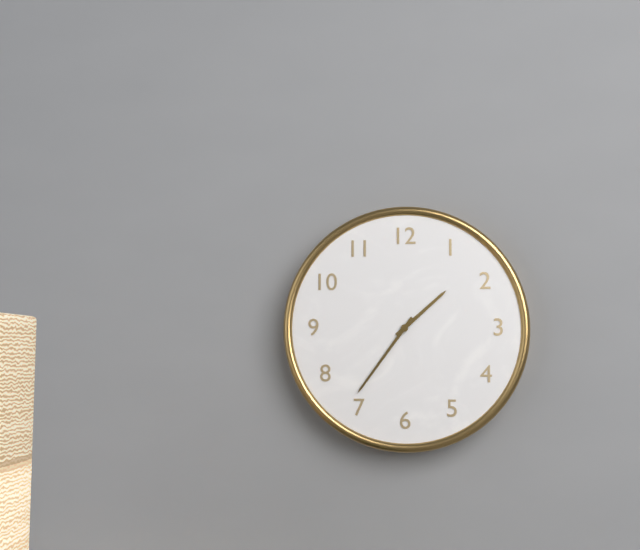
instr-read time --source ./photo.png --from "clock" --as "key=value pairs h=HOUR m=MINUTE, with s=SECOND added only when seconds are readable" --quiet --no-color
h=1 m=36
